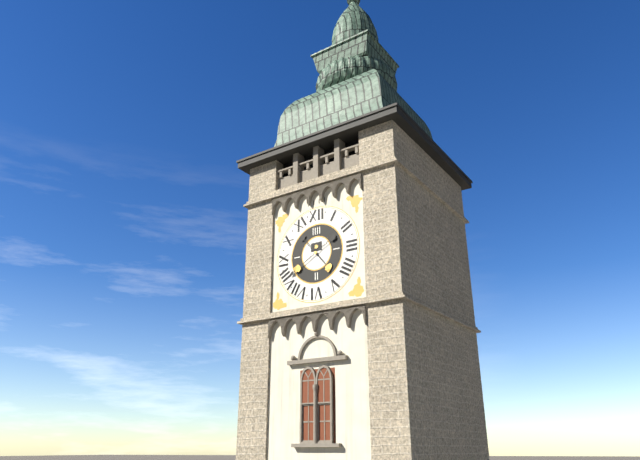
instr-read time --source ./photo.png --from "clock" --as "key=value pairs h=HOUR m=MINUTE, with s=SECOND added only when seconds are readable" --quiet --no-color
h=4 m=40
